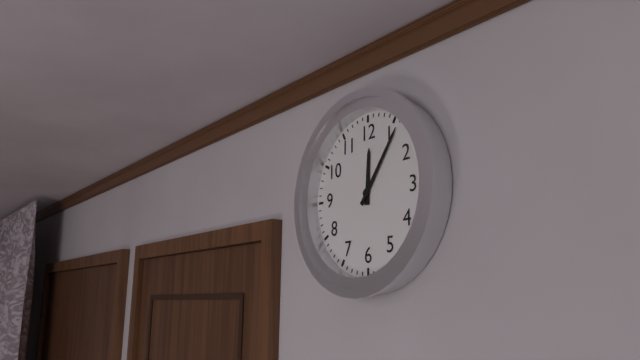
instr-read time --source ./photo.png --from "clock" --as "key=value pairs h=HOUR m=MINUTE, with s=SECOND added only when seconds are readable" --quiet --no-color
h=12 m=6
